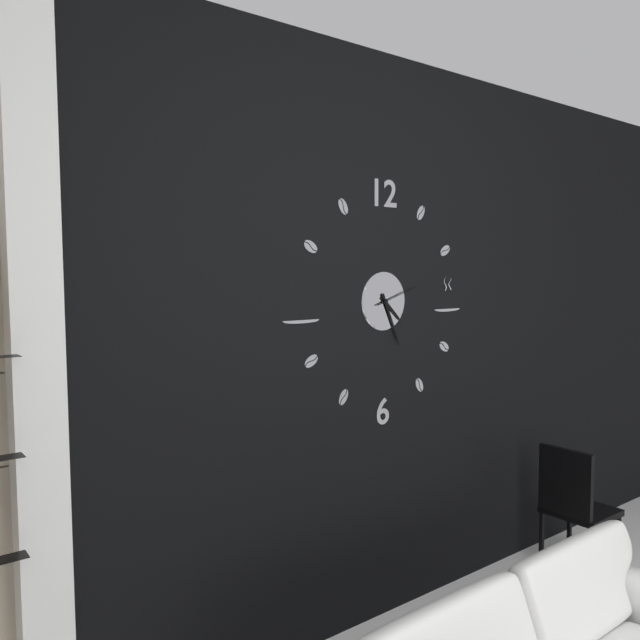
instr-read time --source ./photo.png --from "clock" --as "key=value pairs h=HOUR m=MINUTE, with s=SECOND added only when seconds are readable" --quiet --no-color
h=4 m=26
